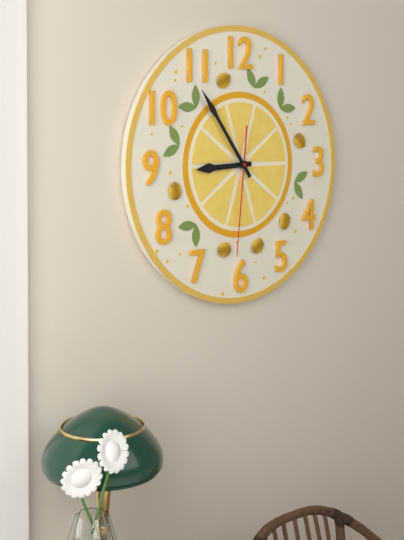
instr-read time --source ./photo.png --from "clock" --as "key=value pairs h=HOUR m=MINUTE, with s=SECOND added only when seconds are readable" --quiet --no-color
h=8 m=54 s=31
